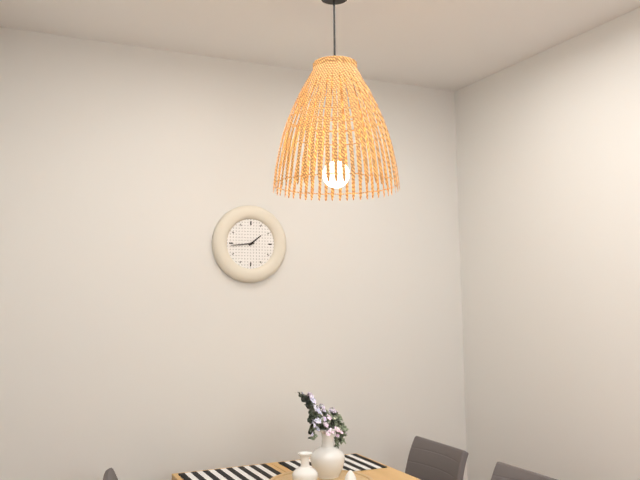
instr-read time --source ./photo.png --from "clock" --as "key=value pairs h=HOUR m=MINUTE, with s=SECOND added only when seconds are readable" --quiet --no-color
h=1 m=44
